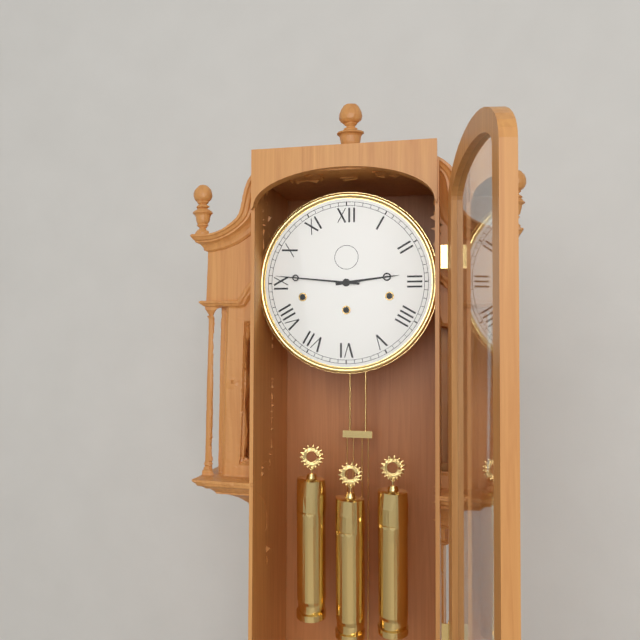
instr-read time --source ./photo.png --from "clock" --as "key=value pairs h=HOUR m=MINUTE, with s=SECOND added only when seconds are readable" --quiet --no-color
h=2 m=46
